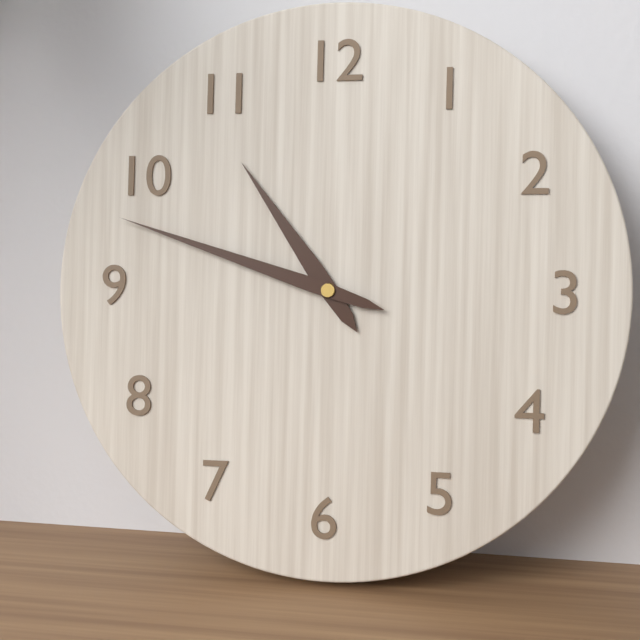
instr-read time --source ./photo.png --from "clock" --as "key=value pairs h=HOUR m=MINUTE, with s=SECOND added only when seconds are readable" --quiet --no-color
h=10 m=48
